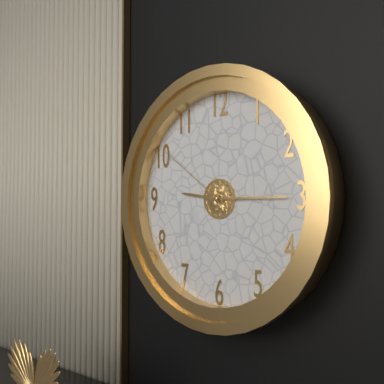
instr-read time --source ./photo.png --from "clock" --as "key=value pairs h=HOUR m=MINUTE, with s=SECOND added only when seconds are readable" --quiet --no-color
h=9 m=15 s=51
